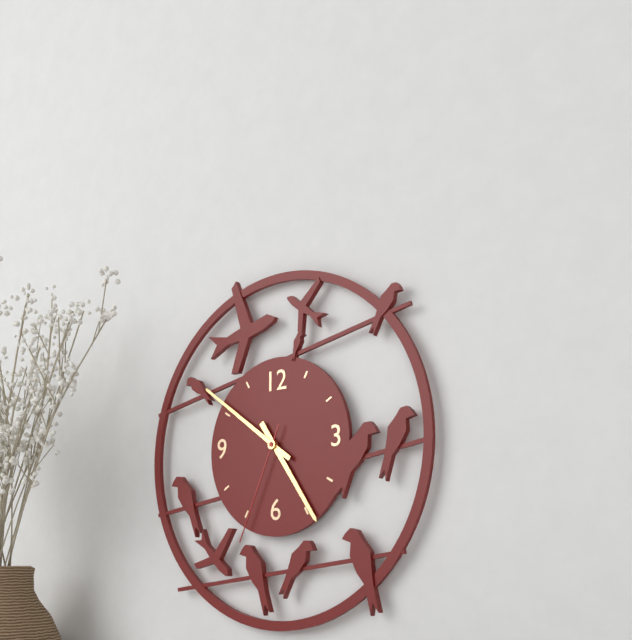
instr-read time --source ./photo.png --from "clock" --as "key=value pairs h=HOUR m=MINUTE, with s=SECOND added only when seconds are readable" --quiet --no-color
h=4 m=51 s=34
